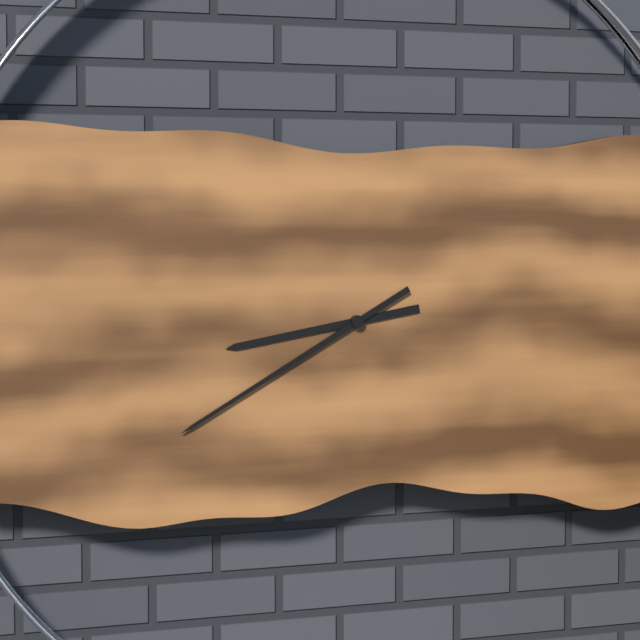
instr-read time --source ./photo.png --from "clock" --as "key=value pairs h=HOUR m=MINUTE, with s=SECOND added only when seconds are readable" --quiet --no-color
h=8 m=40
